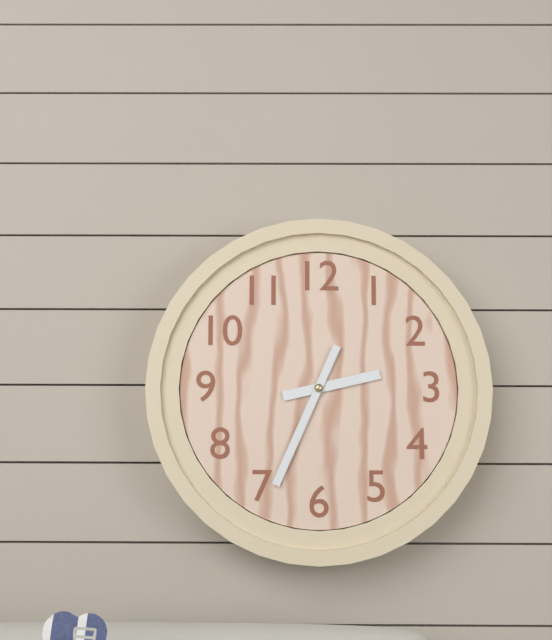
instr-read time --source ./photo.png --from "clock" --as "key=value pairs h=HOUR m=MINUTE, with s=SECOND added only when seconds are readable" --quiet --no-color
h=2 m=34
